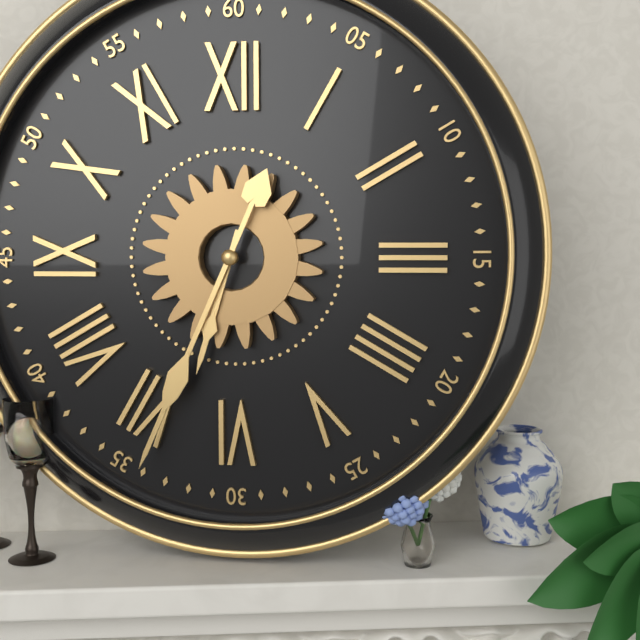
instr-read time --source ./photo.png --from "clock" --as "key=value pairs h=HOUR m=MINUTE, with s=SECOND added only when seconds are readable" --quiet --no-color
h=6 m=34
